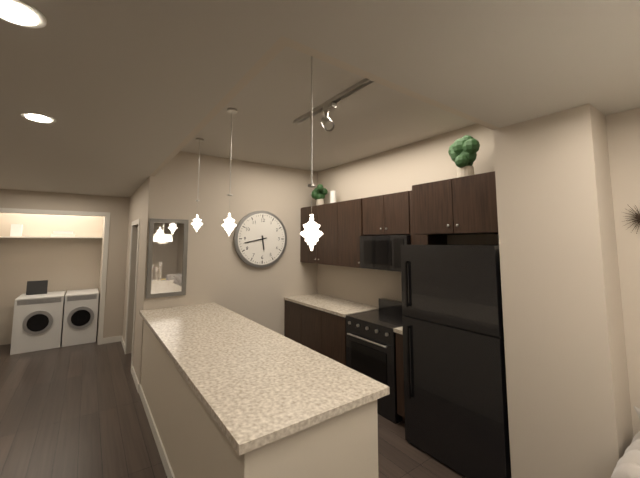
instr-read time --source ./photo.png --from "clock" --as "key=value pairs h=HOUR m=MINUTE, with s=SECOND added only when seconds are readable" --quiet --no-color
h=5 m=43
